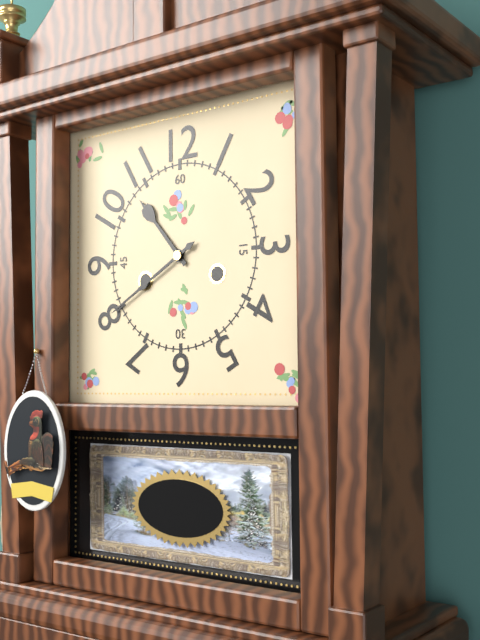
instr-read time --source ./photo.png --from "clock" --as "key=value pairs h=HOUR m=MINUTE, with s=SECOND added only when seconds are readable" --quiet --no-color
h=10 m=40
